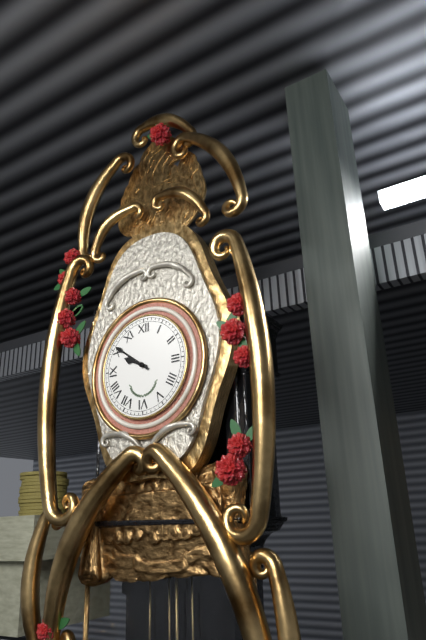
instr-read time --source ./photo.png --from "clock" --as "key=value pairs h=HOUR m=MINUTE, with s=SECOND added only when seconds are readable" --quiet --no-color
h=9 m=51
